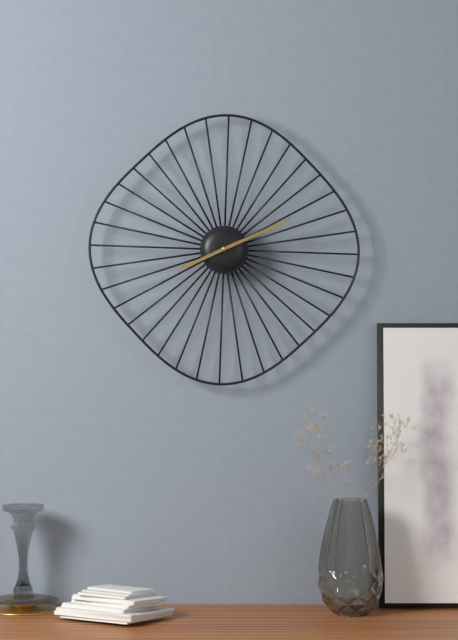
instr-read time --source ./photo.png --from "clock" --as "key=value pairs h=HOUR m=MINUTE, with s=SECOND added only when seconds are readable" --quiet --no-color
h=8 m=11
